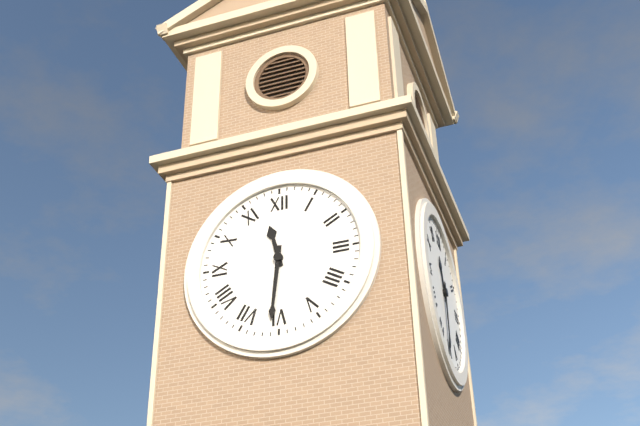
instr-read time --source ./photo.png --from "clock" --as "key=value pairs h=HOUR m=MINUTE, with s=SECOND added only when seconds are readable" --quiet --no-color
h=11 m=31
